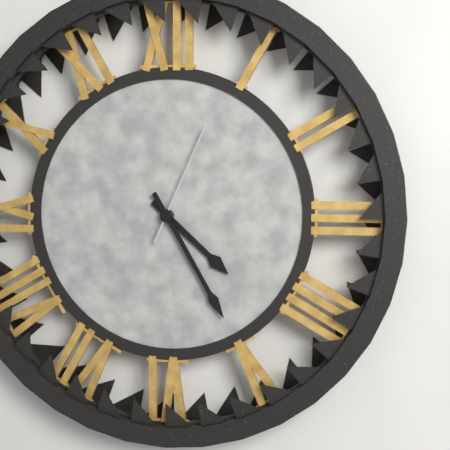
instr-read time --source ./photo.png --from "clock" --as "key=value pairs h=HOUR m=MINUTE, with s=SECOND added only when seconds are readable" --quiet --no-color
h=4 m=25 s=4
